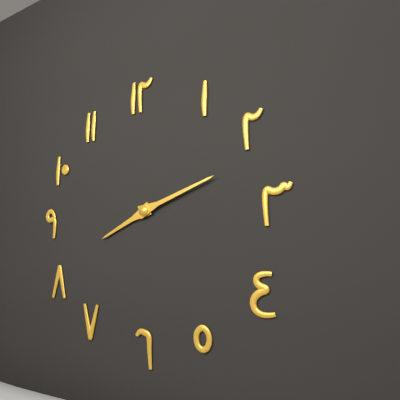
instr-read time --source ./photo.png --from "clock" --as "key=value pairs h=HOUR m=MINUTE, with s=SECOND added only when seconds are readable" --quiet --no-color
h=8 m=12
